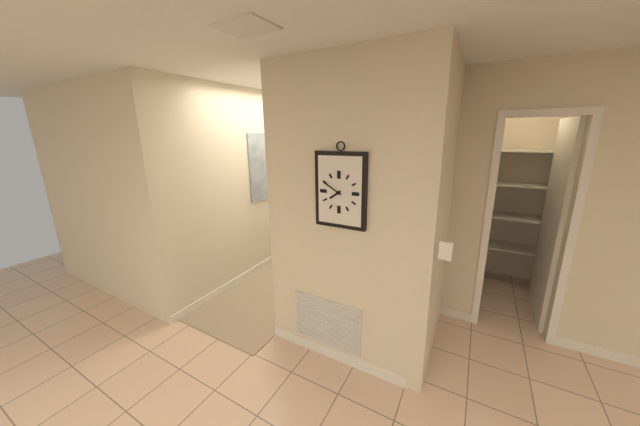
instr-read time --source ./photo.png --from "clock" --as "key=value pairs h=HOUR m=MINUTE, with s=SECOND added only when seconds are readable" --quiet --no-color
h=7 m=50
